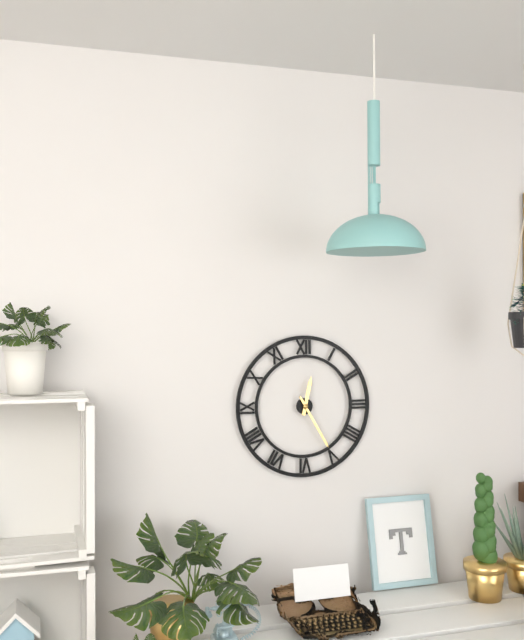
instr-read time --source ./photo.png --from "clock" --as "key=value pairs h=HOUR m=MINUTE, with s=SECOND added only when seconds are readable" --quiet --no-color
h=12 m=25
